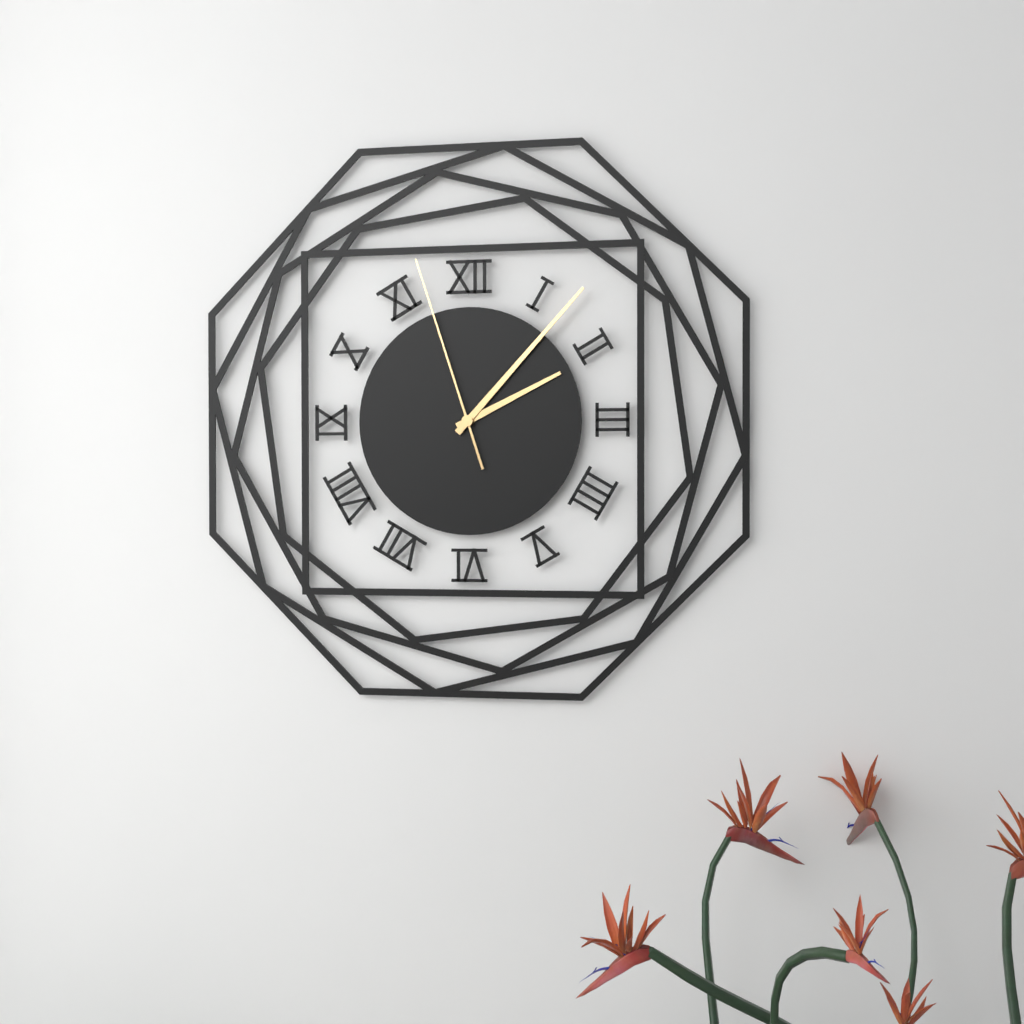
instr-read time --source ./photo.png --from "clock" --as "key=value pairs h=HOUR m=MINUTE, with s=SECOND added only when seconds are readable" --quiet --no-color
h=2 m=7 s=57
